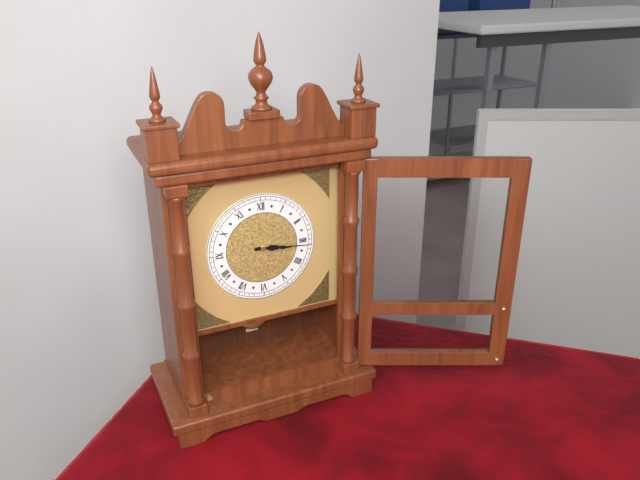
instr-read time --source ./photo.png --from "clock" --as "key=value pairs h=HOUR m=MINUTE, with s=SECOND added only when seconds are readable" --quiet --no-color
h=3 m=16
